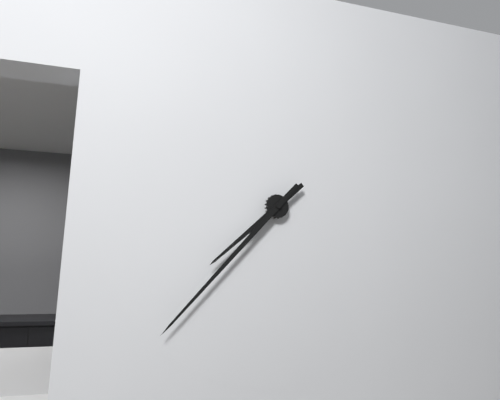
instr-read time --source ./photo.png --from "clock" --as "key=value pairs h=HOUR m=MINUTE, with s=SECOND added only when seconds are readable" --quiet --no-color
h=7 m=37
